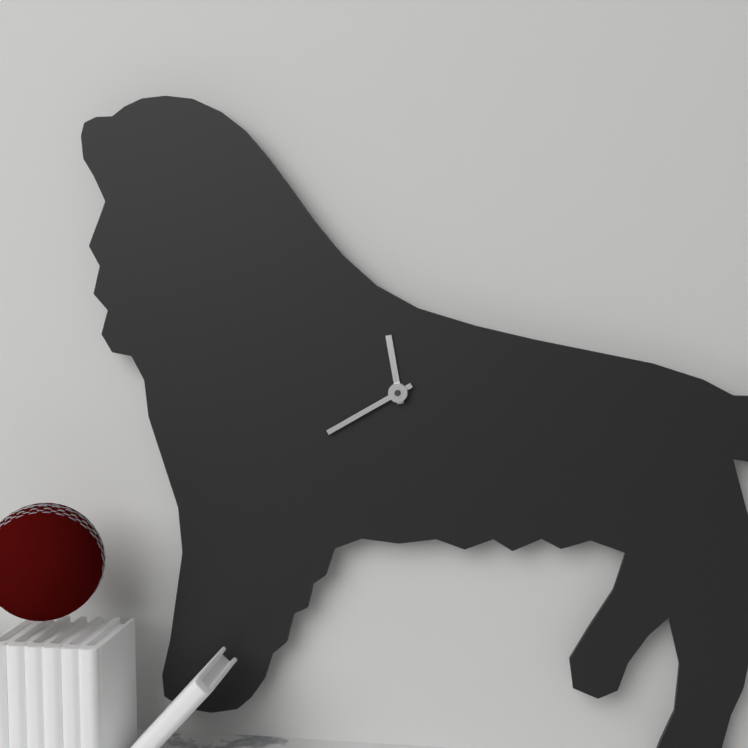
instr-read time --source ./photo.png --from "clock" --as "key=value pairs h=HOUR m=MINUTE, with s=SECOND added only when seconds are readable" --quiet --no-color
h=11 m=40
